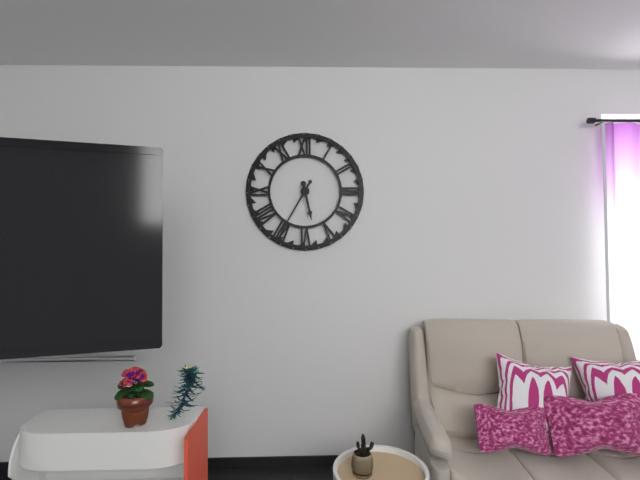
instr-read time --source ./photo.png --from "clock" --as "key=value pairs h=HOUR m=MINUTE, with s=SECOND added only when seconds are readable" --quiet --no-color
h=5 m=35
